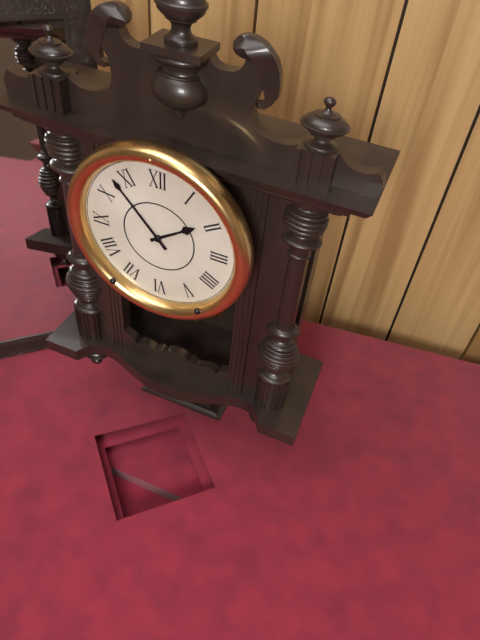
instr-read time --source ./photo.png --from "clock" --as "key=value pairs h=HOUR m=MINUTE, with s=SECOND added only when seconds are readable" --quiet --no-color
h=1 m=53
